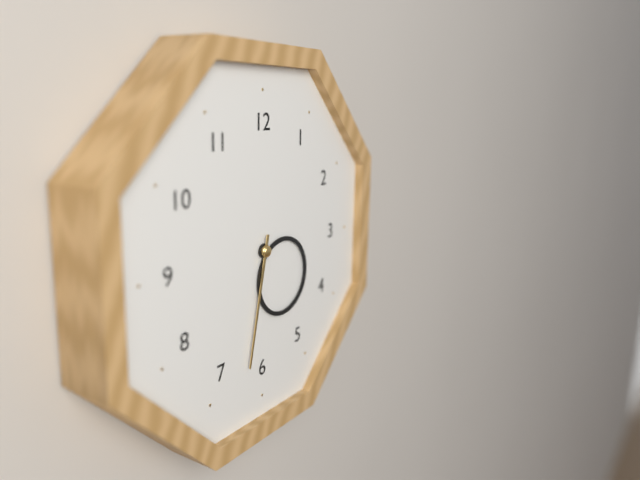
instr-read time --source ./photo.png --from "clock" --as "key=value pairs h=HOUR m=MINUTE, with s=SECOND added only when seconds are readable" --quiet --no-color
h=4 m=32
